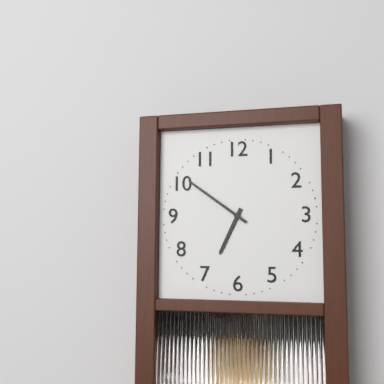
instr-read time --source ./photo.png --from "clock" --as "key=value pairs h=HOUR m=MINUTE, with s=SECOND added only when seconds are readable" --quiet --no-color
h=6 m=51
